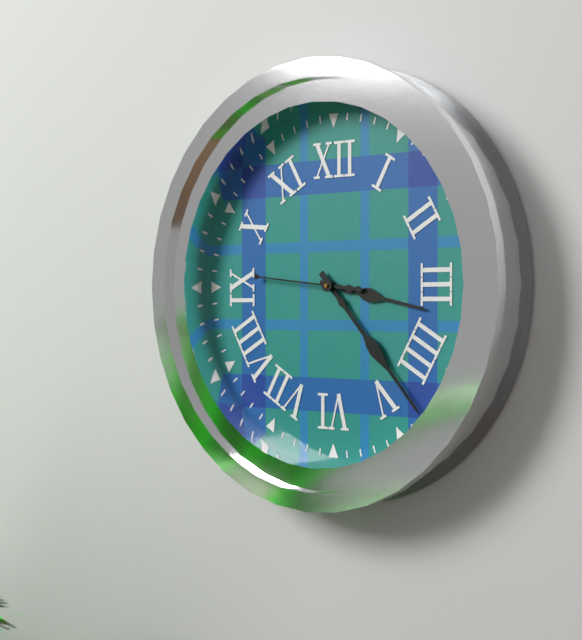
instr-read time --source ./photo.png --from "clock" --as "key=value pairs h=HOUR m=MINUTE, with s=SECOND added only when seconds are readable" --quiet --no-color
h=3 m=23 s=46
